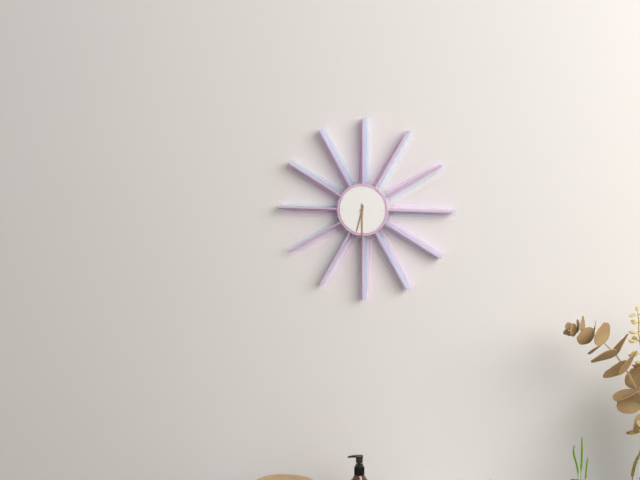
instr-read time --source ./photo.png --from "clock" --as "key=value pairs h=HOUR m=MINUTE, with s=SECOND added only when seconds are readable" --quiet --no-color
h=6 m=30
